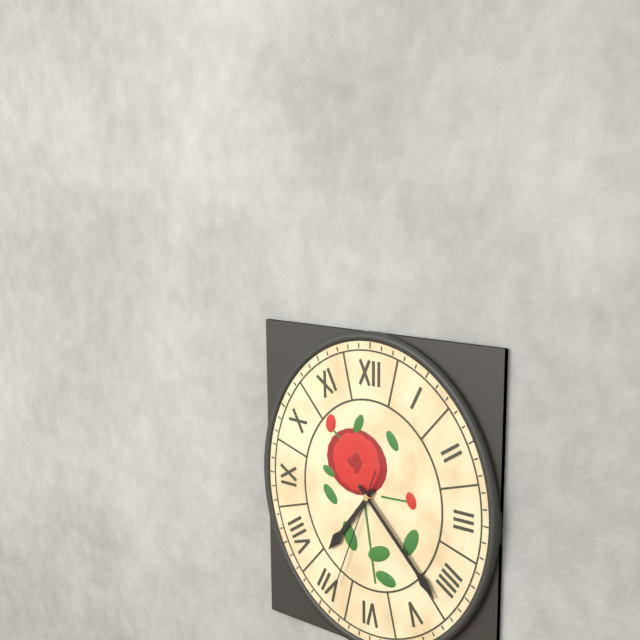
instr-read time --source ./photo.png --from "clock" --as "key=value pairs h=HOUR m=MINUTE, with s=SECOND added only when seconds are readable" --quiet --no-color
h=7 m=22 s=34
